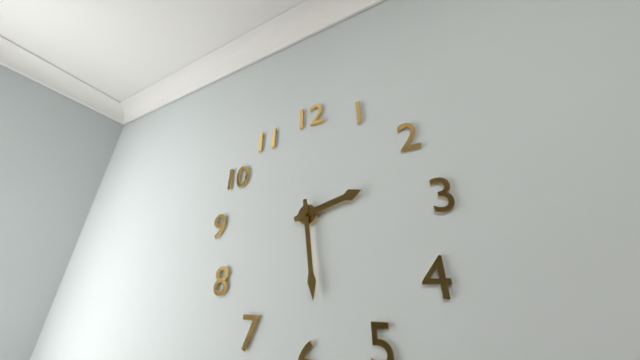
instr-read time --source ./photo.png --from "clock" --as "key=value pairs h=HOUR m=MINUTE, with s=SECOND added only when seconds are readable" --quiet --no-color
h=2 m=29
